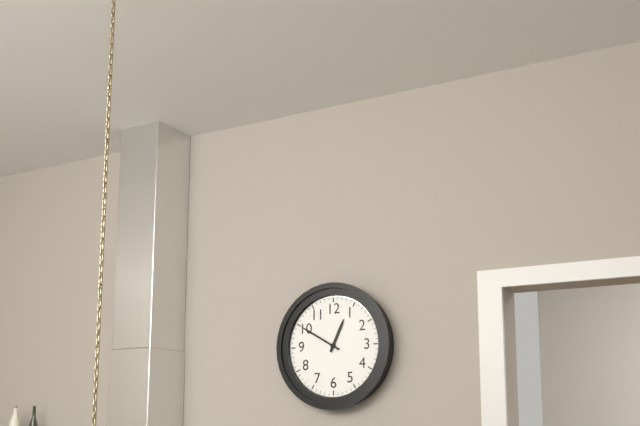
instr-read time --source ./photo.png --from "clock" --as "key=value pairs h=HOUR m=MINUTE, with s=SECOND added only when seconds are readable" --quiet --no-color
h=12 m=50
